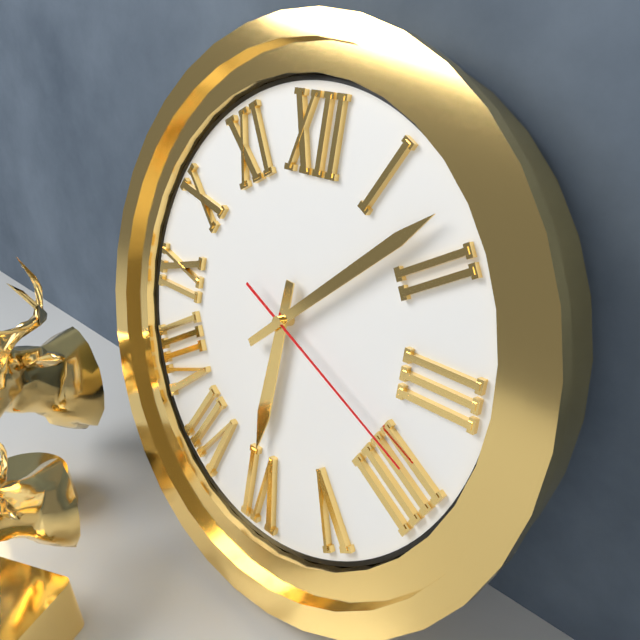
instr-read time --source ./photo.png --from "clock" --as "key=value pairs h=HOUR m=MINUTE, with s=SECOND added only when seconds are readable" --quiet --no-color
h=6 m=8 s=19
